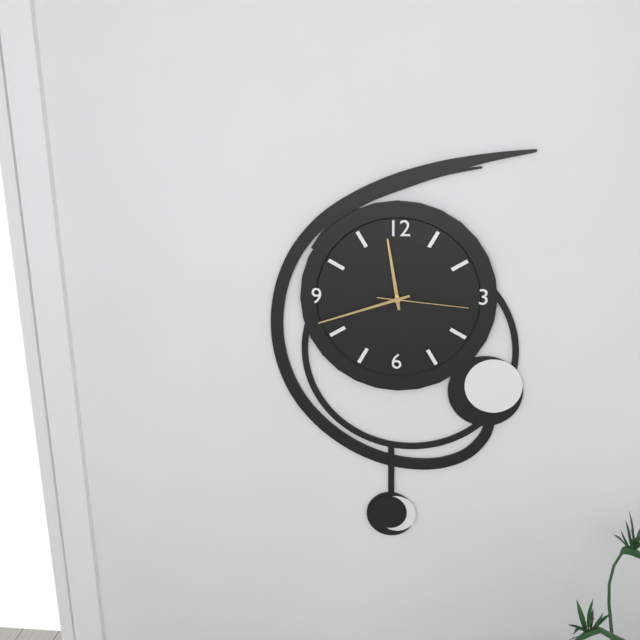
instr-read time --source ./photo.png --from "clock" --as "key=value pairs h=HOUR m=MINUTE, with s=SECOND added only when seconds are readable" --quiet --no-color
h=11 m=42 s=16
